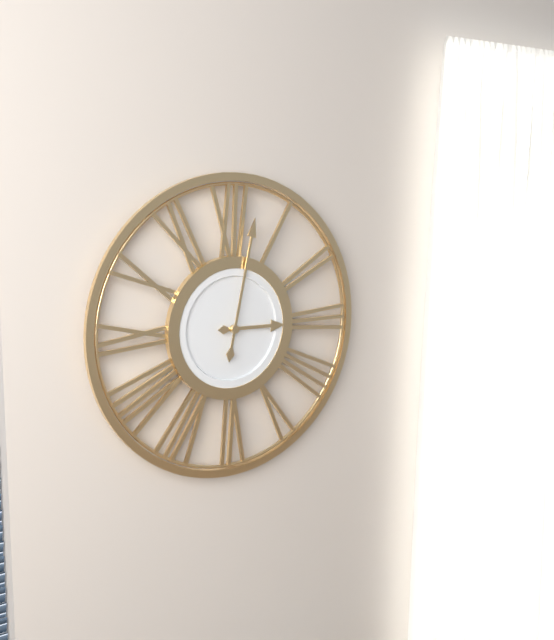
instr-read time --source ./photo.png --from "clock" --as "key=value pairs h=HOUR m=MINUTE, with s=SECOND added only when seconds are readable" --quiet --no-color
h=3 m=2
